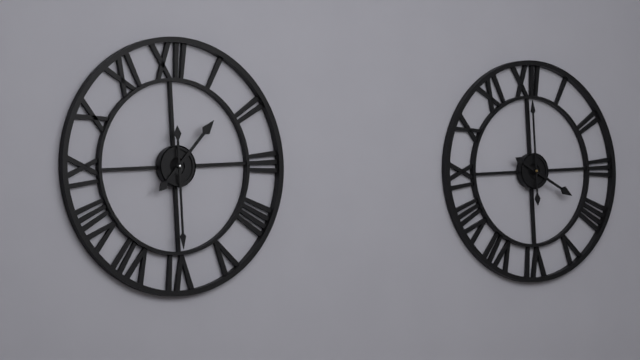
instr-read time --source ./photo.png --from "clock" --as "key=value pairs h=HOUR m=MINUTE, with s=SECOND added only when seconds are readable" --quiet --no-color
h=1 m=30
